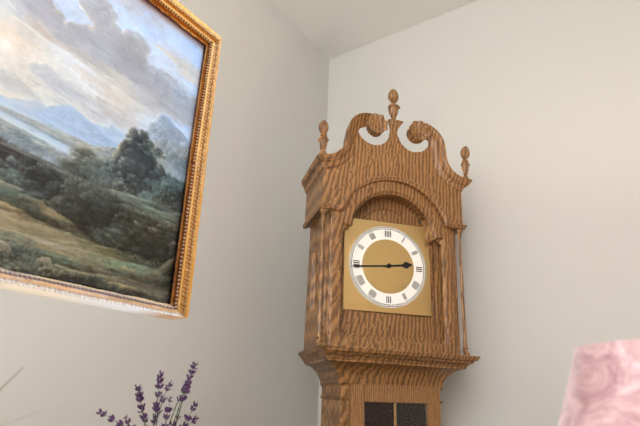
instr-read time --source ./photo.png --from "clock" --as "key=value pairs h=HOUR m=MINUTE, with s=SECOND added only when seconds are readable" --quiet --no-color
h=2 m=44
